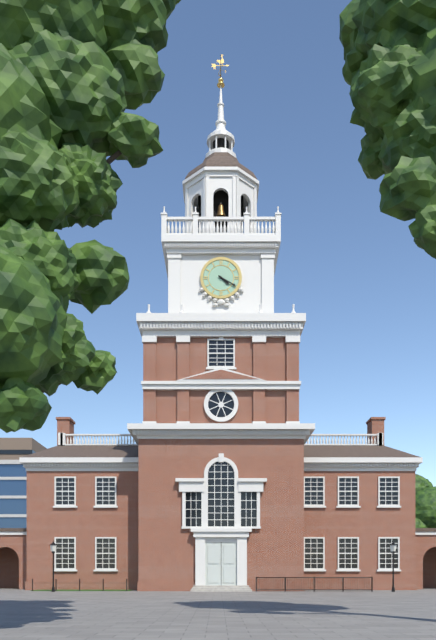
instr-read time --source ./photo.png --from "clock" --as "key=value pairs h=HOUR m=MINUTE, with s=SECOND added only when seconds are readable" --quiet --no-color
h=4 m=20
